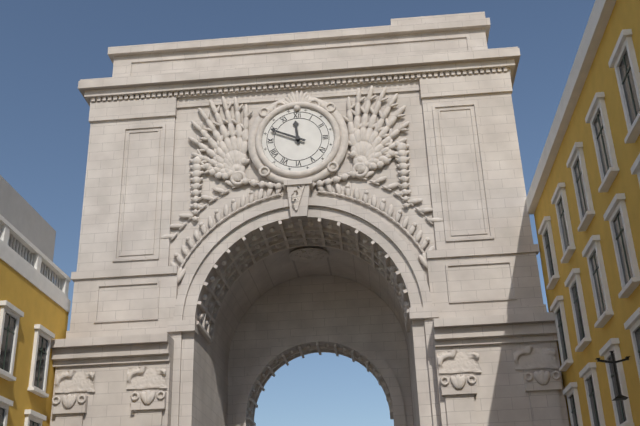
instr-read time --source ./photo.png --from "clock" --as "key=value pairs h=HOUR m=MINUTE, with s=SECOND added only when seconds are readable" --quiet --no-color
h=11 m=49
